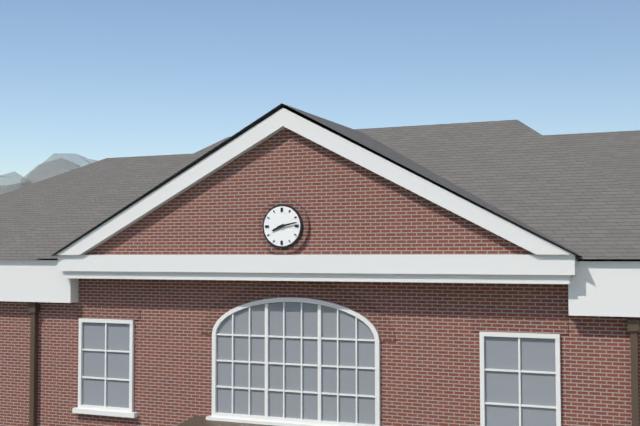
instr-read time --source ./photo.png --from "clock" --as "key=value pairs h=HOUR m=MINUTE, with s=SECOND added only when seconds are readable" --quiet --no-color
h=8 m=13
